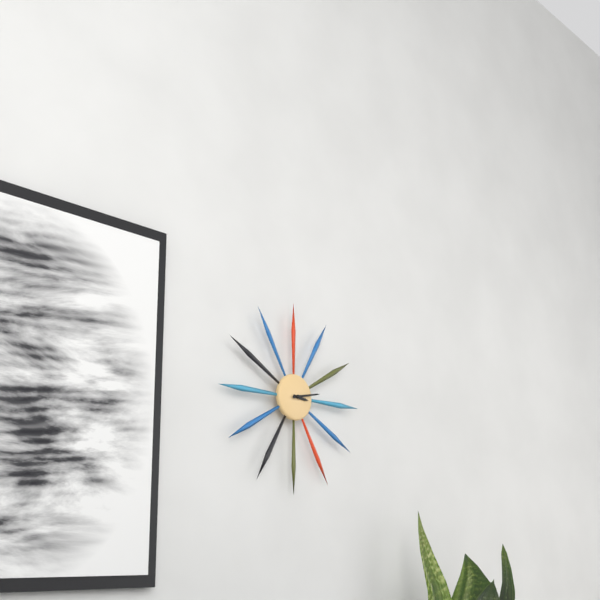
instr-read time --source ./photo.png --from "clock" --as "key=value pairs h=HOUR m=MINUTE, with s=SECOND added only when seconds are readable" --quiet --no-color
h=3 m=13
